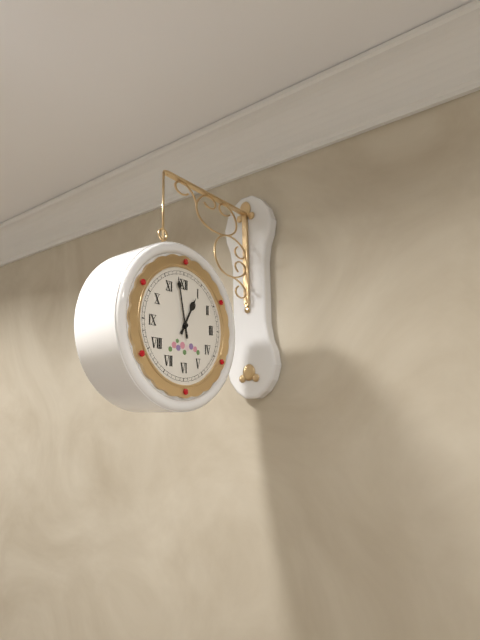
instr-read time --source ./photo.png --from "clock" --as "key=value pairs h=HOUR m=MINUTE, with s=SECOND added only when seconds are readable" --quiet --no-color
h=12 m=58
